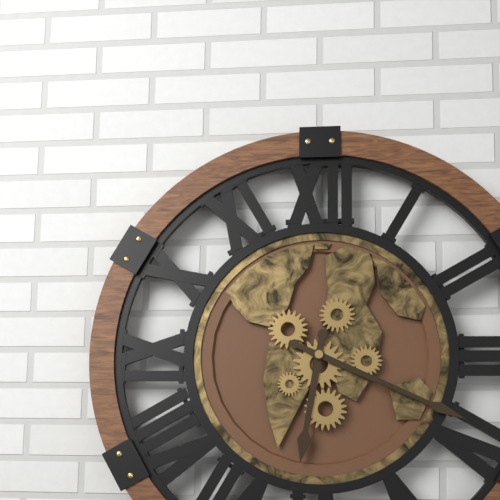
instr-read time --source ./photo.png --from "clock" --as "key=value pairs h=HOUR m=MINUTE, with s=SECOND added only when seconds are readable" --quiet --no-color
h=6 m=19
